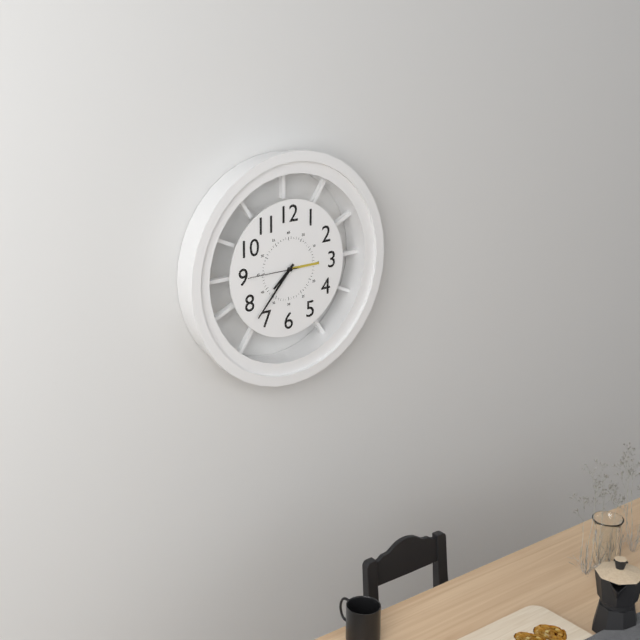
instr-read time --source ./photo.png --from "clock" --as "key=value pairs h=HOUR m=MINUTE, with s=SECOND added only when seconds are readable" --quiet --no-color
h=7 m=37 s=45
